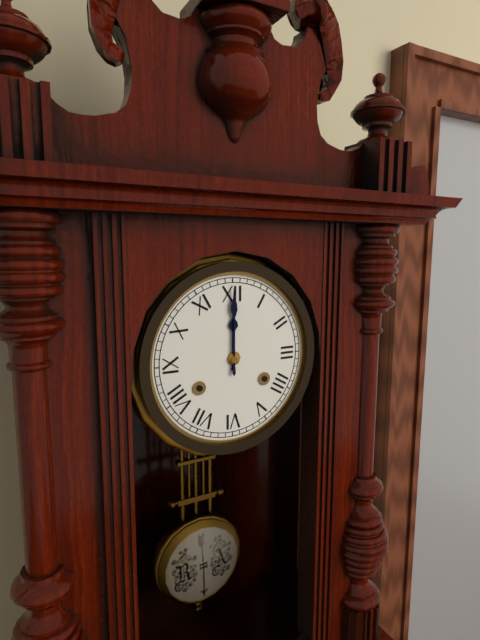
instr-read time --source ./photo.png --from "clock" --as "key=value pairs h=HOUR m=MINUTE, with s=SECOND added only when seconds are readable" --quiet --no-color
h=12 m=0
